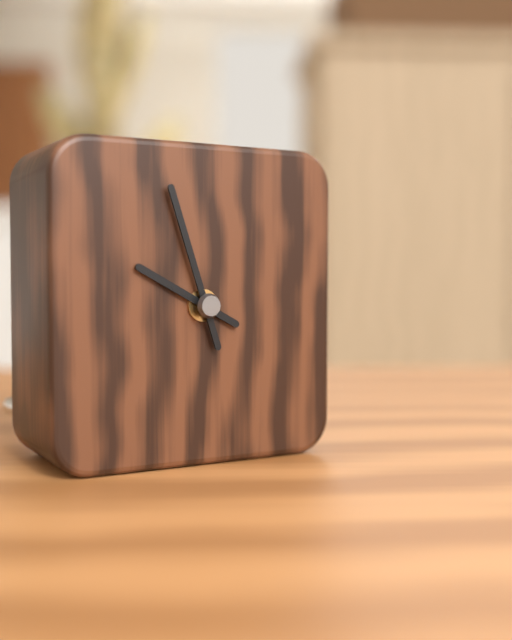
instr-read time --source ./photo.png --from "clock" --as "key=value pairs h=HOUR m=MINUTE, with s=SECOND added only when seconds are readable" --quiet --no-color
h=9 m=57
